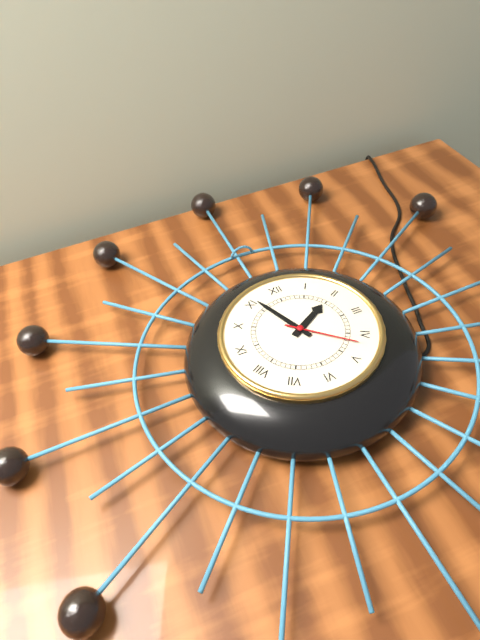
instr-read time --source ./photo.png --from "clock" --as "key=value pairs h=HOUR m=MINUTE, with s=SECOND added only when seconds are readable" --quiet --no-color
h=1 m=56 s=22
